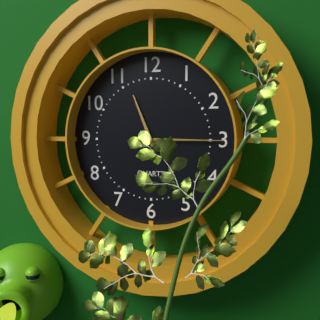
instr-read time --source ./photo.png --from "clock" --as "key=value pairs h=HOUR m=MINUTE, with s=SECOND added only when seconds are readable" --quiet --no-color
h=11 m=15 s=15
